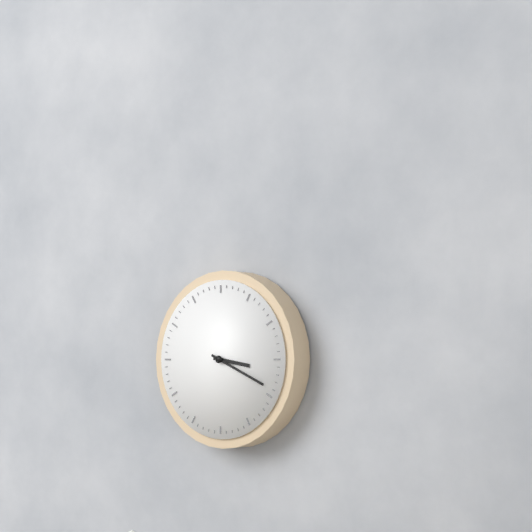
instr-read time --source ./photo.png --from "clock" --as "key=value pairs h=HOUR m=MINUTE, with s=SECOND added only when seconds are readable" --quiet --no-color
h=3 m=19
